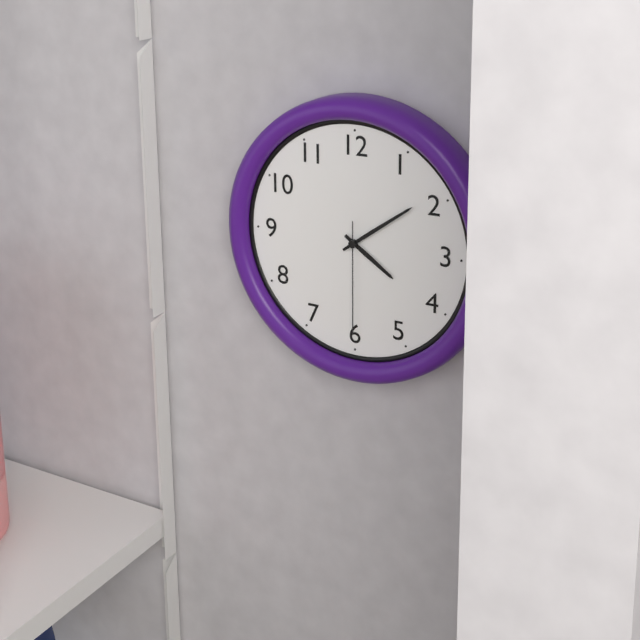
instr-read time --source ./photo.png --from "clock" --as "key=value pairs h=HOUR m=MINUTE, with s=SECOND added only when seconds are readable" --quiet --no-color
h=4 m=9 s=30
